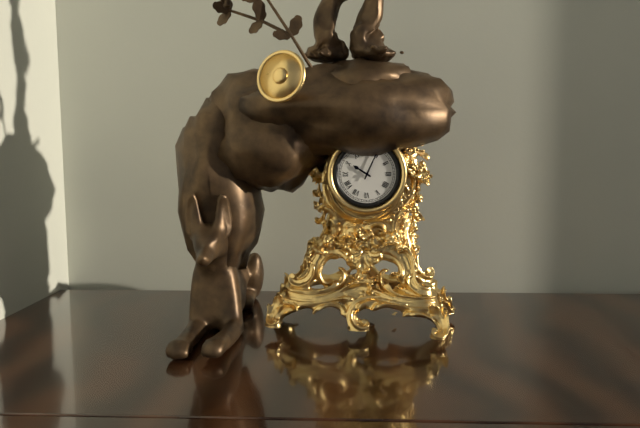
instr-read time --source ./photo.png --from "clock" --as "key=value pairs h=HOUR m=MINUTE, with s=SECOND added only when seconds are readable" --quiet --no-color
h=10 m=4
